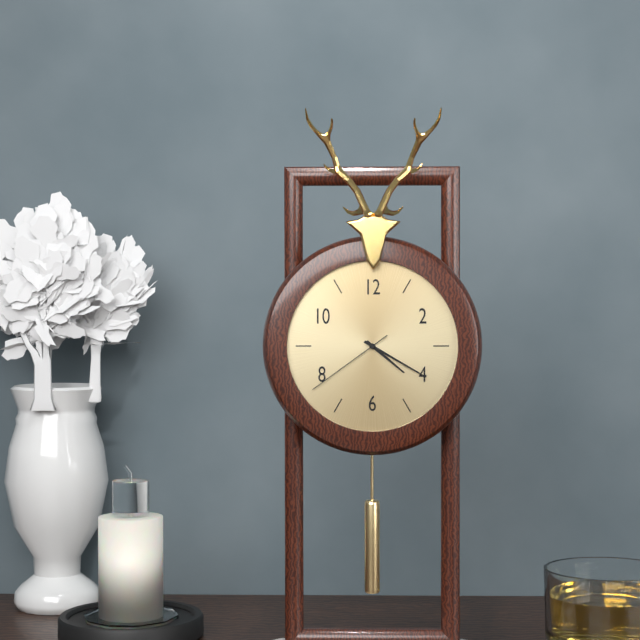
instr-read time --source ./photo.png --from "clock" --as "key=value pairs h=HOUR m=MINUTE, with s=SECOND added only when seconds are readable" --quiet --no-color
h=4 m=20 s=39
